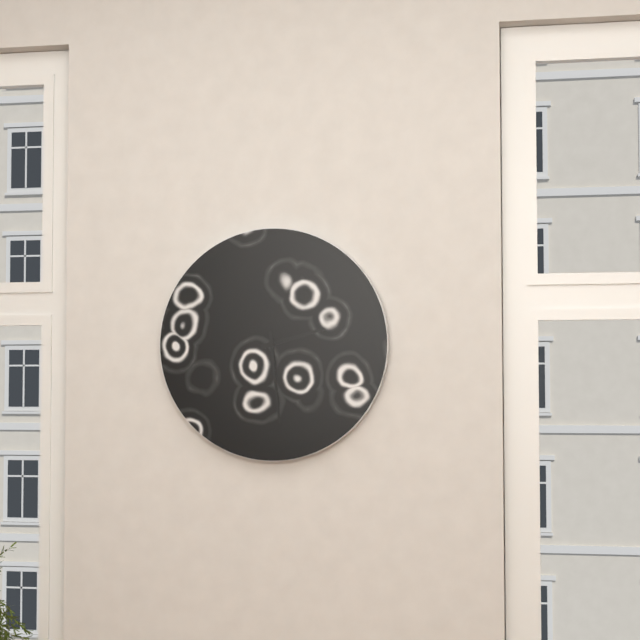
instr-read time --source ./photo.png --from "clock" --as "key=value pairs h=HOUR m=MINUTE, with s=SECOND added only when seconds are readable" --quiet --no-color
h=2 m=29
